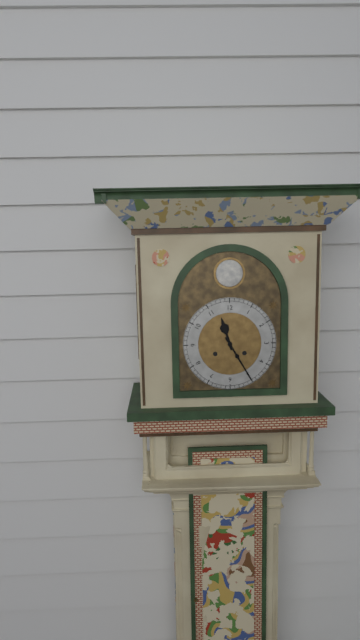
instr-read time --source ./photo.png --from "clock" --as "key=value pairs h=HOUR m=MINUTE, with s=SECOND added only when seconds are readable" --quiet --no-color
h=11 m=25
